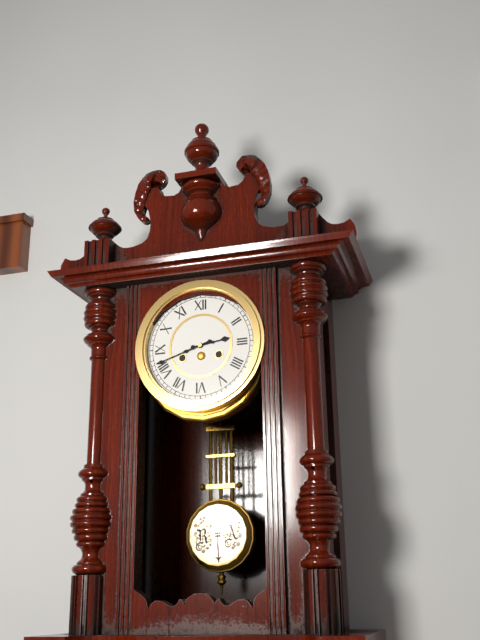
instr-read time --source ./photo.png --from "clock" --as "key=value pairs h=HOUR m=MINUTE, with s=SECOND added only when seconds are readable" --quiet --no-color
h=2 m=42
